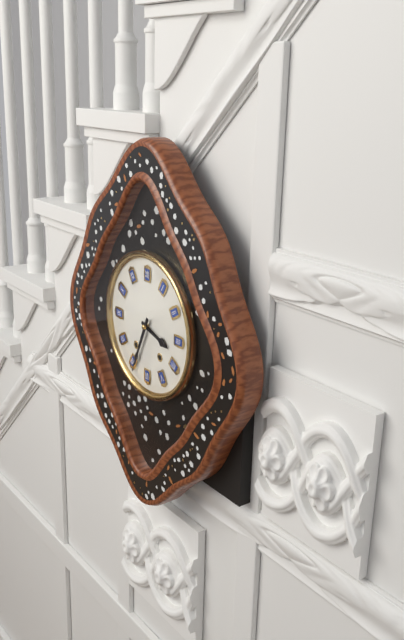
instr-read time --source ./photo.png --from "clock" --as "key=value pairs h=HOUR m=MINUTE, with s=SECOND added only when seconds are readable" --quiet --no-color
h=3 m=34
